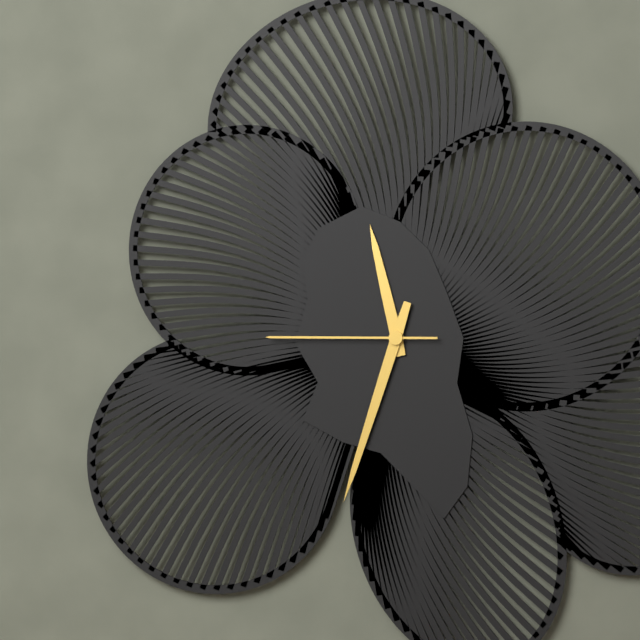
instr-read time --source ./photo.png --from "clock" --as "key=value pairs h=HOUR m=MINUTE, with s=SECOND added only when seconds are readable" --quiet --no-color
h=11 m=33 s=45
